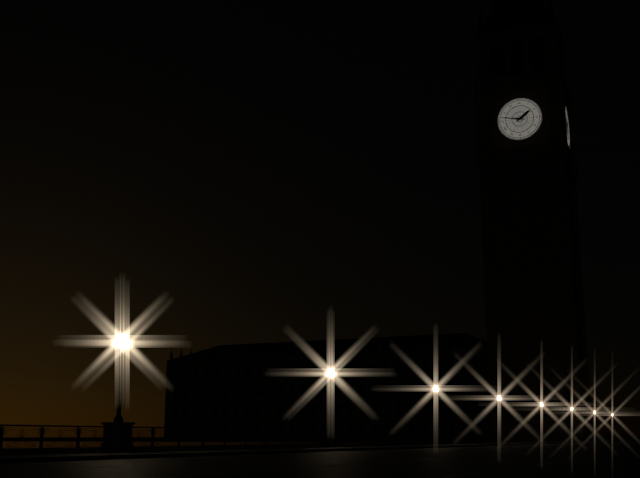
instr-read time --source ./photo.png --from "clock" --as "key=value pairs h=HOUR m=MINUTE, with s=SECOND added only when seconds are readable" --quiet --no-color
h=1 m=47
